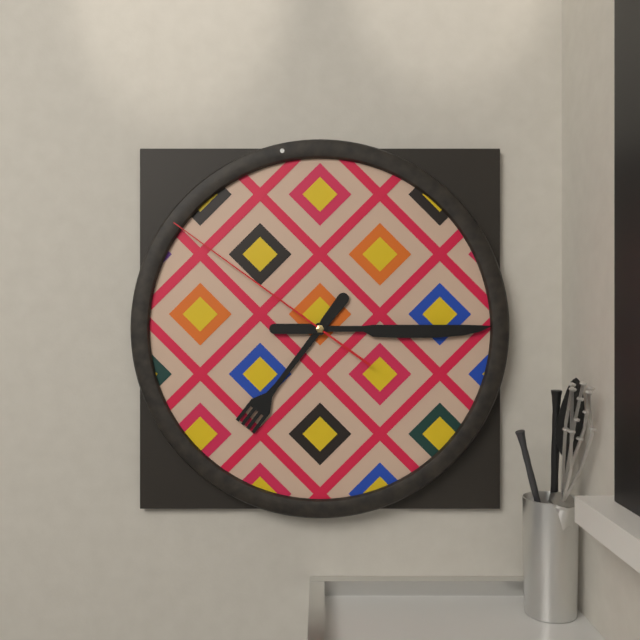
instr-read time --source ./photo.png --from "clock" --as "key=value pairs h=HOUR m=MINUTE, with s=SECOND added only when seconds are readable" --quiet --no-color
h=7 m=15 s=51
